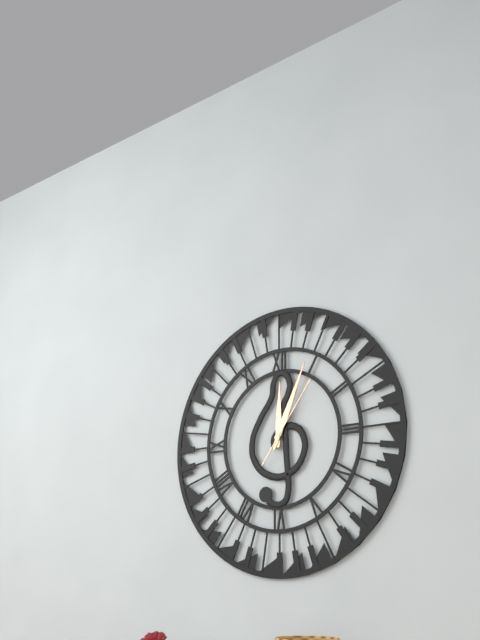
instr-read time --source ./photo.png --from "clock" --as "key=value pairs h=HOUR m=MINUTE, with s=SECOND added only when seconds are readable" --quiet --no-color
h=12 m=4 s=6
